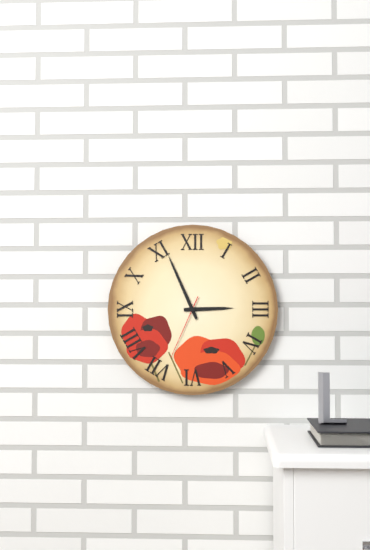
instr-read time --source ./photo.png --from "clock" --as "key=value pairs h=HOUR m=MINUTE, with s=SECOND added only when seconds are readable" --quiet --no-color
h=2 m=56 s=34
